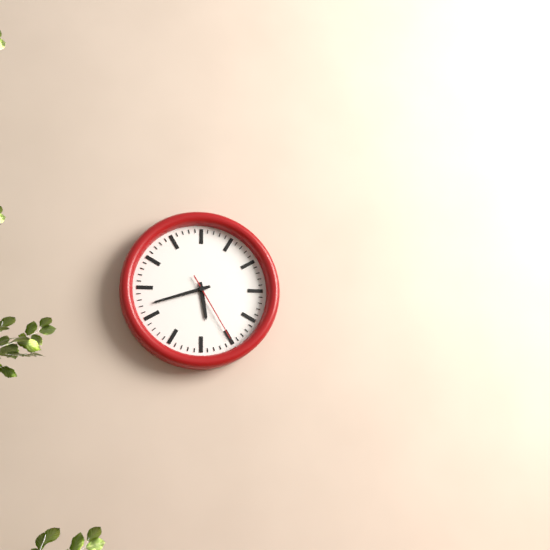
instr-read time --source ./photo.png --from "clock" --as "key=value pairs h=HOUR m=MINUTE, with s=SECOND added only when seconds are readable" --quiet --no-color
h=5 m=42 s=25
